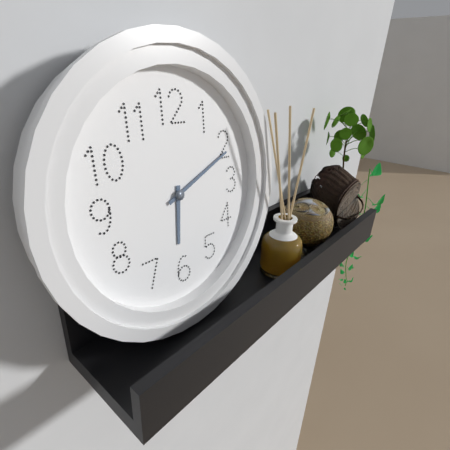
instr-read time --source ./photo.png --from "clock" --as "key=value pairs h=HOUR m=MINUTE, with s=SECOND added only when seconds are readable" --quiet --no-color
h=6 m=11
